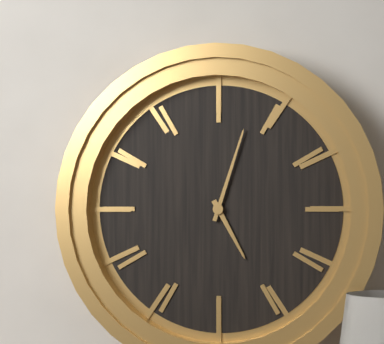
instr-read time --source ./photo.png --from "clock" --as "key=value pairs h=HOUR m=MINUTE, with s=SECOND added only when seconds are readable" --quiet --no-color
h=5 m=3
